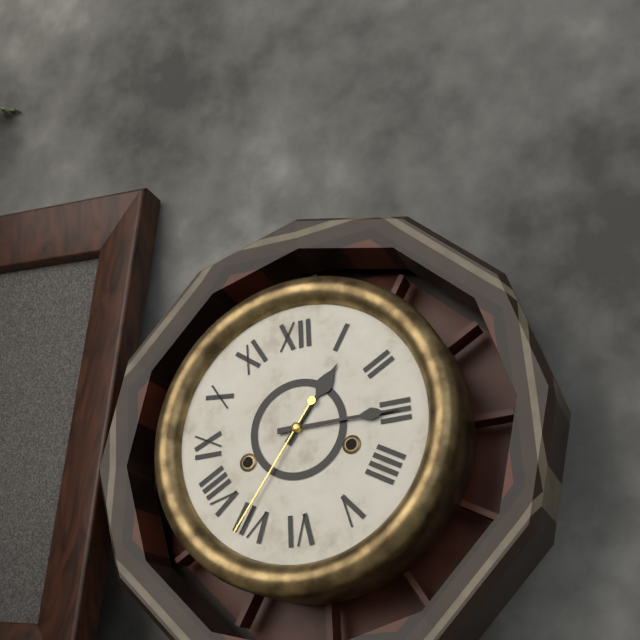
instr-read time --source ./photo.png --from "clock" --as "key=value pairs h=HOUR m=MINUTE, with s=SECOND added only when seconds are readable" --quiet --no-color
h=1 m=15 s=36
